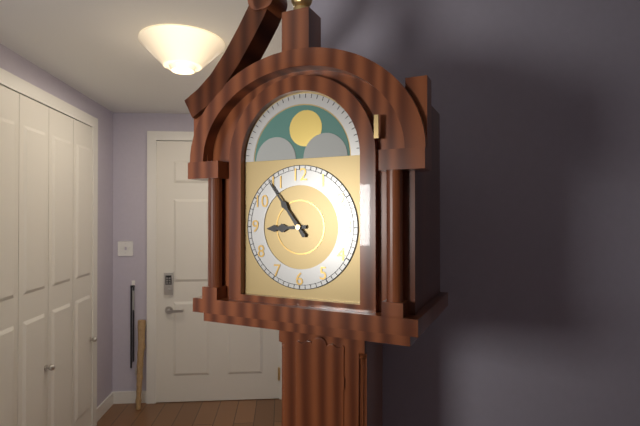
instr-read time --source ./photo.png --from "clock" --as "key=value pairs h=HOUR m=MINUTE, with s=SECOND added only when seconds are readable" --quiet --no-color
h=8 m=54
